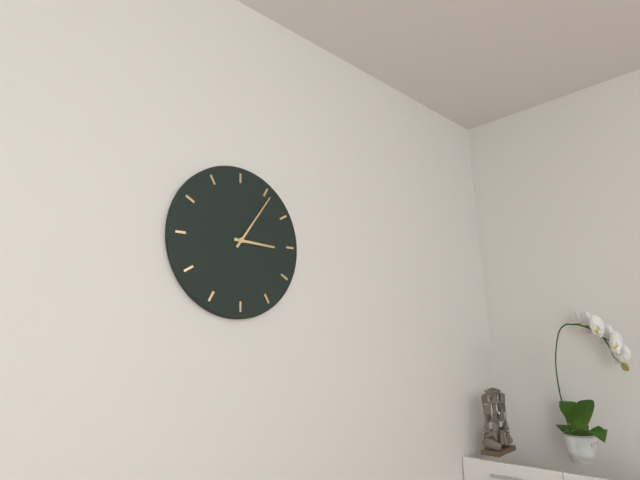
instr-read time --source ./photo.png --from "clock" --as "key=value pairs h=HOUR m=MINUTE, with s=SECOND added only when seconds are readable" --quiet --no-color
h=3 m=6
